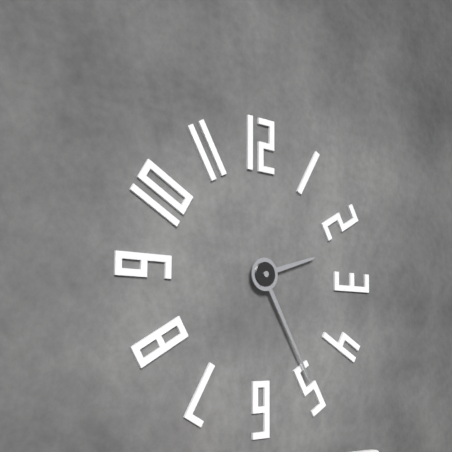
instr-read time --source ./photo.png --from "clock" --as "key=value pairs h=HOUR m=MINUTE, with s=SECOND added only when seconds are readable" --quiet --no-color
h=2 m=25
